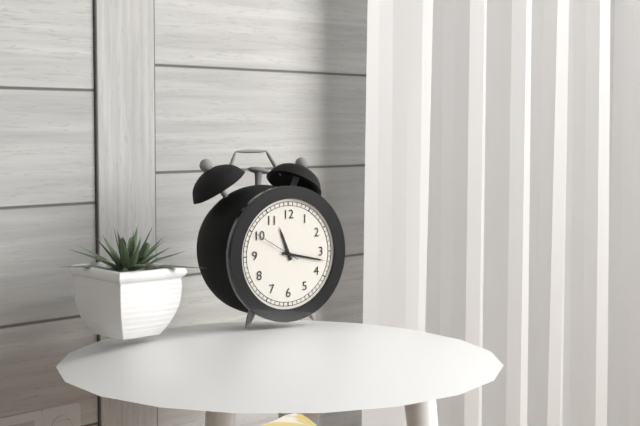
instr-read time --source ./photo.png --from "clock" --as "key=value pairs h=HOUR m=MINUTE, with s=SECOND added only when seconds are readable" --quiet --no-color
h=11 m=17 s=50
